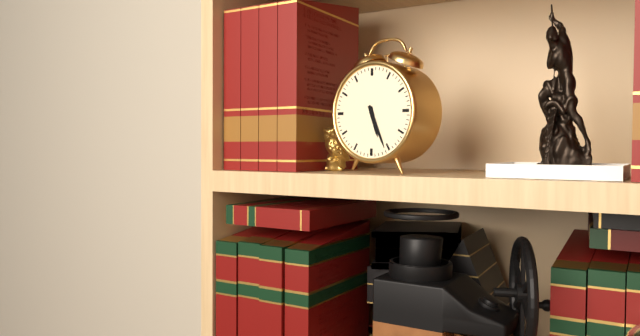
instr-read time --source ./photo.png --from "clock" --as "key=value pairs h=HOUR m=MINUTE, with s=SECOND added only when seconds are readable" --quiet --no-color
h=5 m=26
